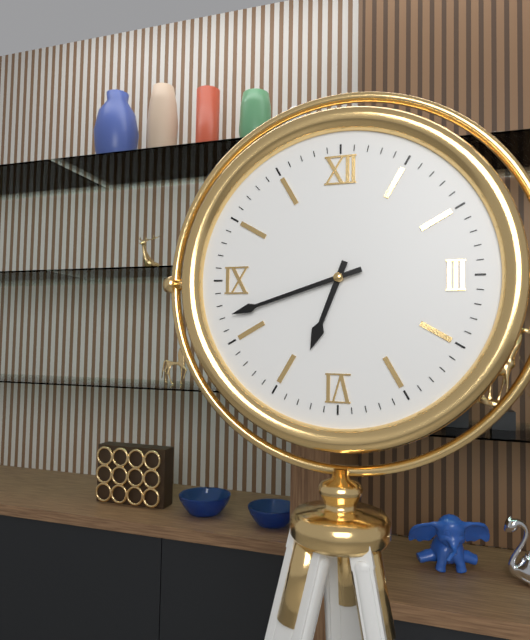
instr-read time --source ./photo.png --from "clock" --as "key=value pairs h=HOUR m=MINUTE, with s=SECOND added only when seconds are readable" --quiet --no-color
h=6 m=42
